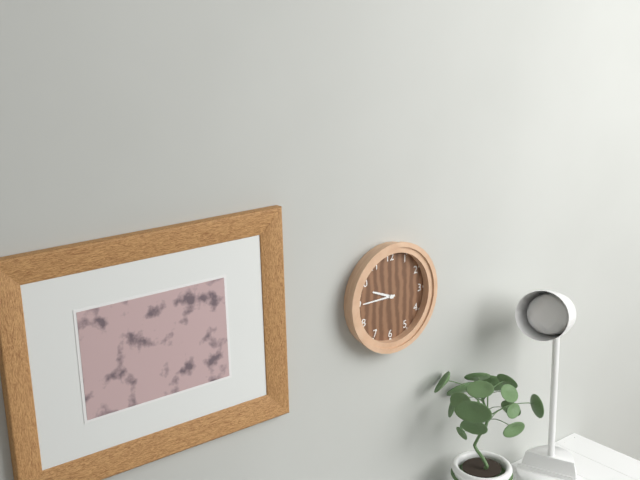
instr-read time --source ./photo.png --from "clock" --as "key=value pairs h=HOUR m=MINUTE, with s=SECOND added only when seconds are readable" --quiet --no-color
h=9 m=45
